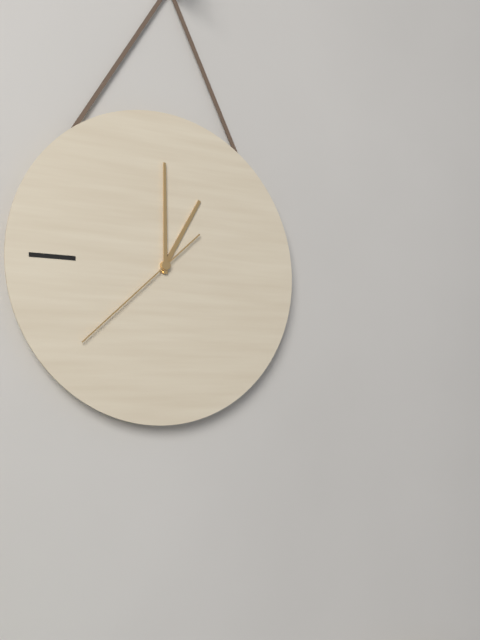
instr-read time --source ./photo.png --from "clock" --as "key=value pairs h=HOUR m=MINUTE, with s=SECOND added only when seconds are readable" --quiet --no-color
h=1 m=0 s=38
